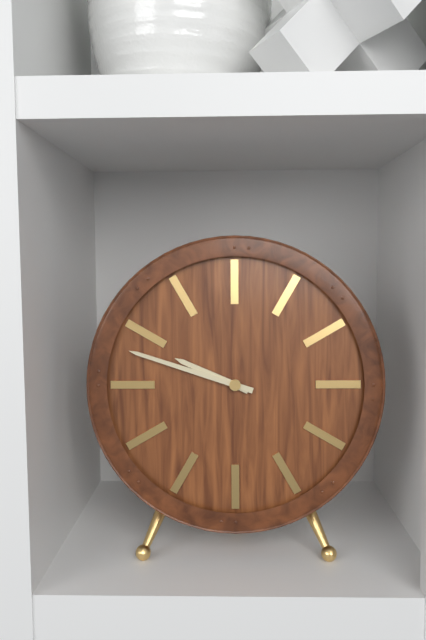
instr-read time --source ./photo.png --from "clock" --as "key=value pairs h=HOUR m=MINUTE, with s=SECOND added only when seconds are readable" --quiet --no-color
h=9 m=48
